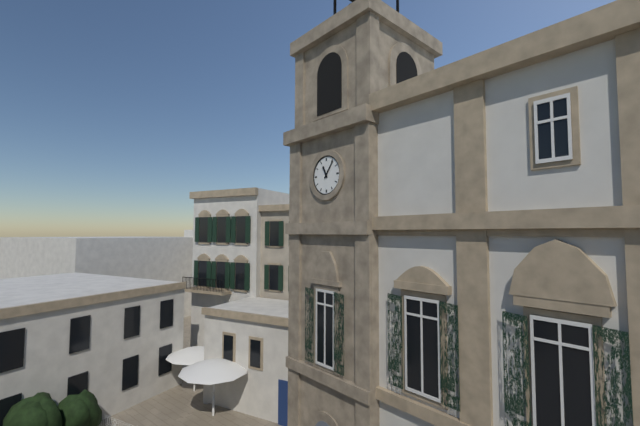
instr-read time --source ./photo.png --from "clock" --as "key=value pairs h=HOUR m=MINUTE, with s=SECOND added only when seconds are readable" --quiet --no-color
h=11 m=6
